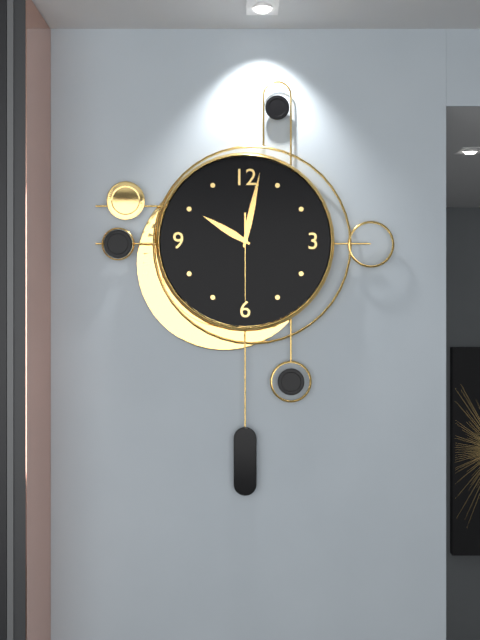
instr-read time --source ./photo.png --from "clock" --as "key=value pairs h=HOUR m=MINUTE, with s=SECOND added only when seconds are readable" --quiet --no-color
h=10 m=2 s=30
